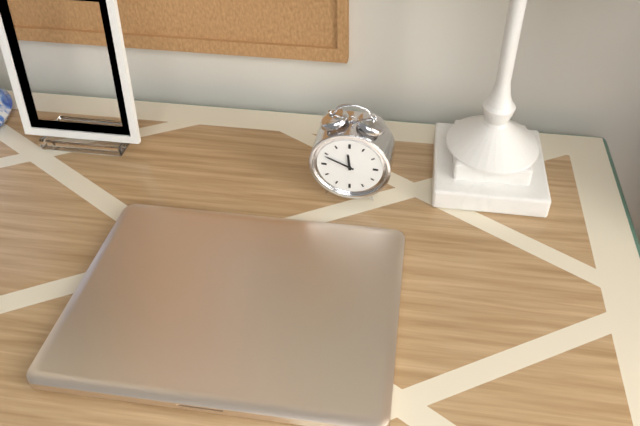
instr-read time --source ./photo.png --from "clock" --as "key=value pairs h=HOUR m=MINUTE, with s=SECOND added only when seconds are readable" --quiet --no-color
h=11 m=49
